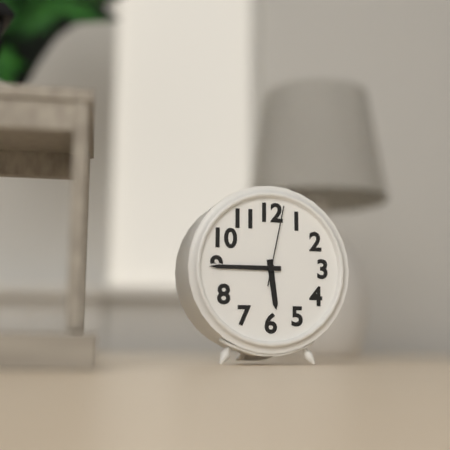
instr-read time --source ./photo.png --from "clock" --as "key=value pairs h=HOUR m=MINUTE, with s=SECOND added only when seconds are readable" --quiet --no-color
h=5 m=45 s=2
